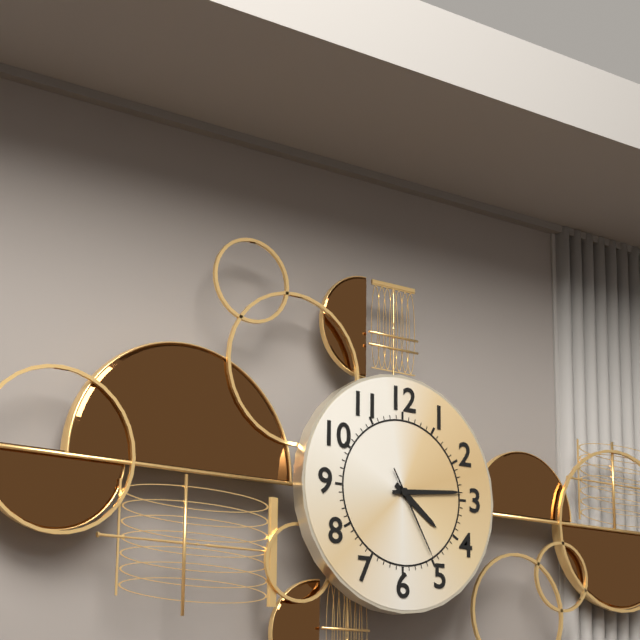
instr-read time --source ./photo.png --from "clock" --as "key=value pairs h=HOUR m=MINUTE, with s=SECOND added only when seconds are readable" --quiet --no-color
h=4 m=14 s=25
